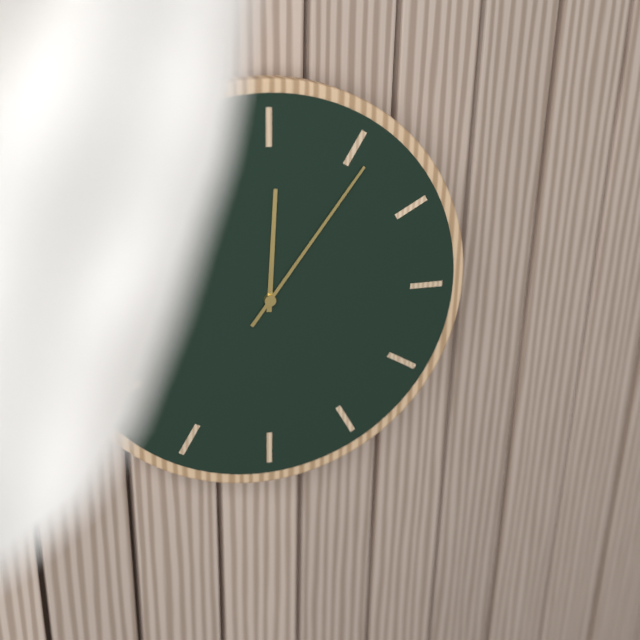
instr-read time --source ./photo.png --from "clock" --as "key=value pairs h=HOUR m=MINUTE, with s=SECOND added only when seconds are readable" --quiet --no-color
h=12 m=6
